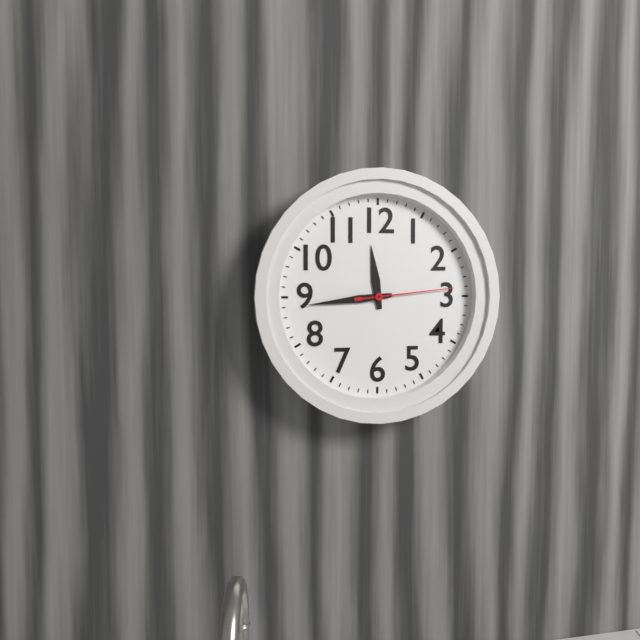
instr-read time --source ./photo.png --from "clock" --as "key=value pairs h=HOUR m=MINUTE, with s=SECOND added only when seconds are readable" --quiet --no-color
h=11 m=44 s=14
